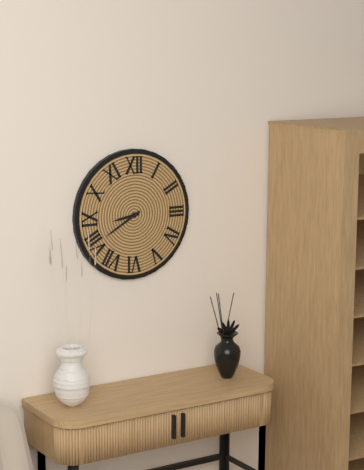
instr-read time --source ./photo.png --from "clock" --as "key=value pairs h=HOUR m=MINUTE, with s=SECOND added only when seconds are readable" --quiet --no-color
h=8 m=40
